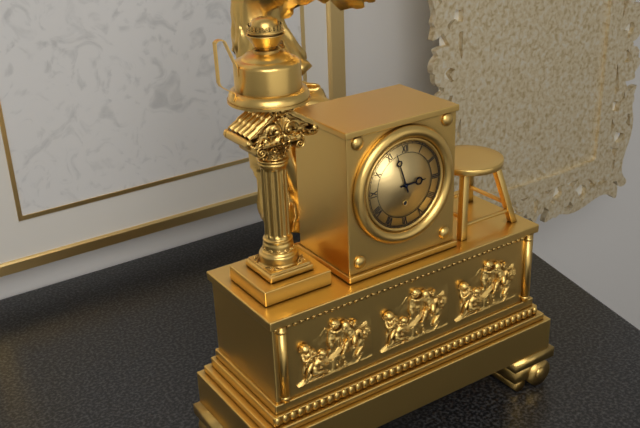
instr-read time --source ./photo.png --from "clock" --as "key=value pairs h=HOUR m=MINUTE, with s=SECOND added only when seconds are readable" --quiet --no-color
h=2 m=57
